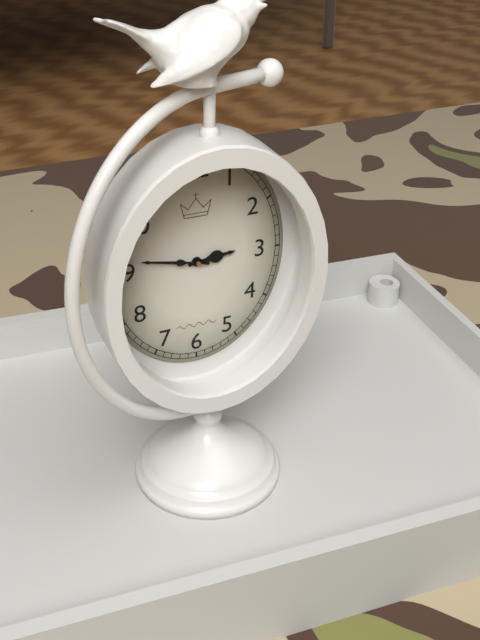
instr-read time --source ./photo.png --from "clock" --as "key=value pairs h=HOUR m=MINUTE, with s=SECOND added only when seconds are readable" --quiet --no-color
h=2 m=47
